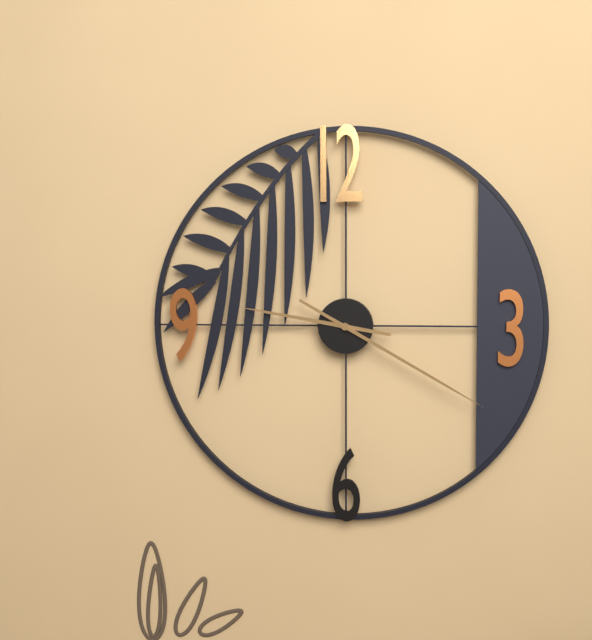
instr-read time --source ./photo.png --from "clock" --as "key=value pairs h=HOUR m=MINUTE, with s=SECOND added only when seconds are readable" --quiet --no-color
h=9 m=20
